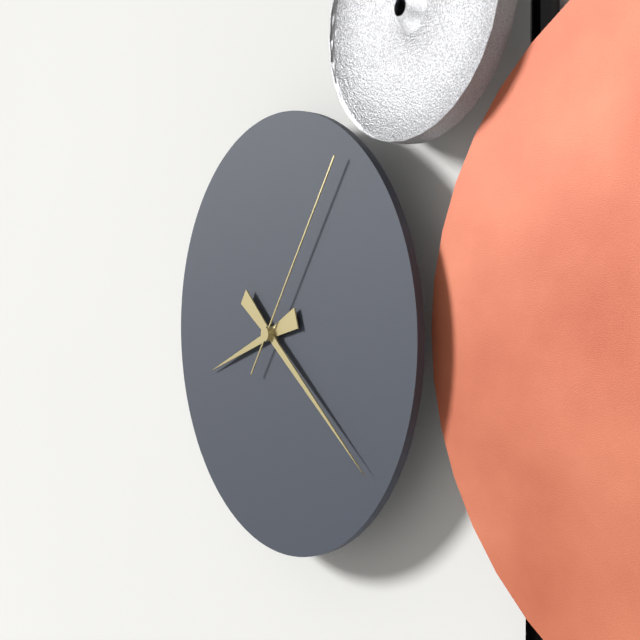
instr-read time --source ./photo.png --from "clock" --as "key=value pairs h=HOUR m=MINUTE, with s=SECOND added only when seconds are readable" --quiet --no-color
h=8 m=21 s=6
